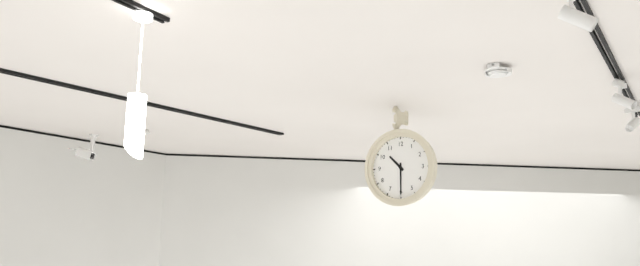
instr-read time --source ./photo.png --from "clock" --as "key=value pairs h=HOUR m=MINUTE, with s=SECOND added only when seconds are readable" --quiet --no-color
h=10 m=30
